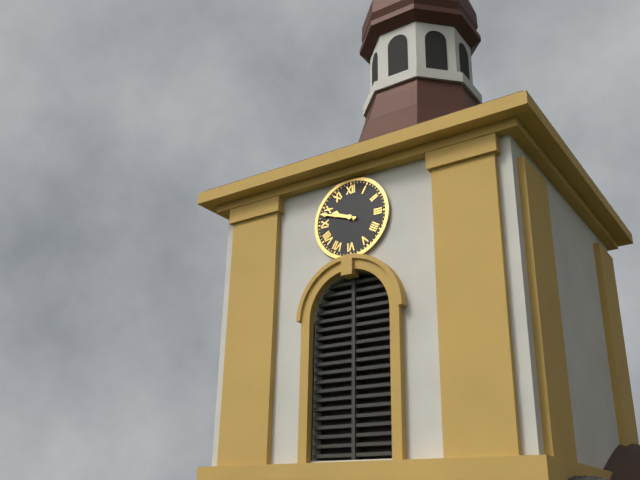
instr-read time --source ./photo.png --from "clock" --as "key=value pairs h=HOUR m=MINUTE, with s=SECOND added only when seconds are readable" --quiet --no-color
h=9 m=48
